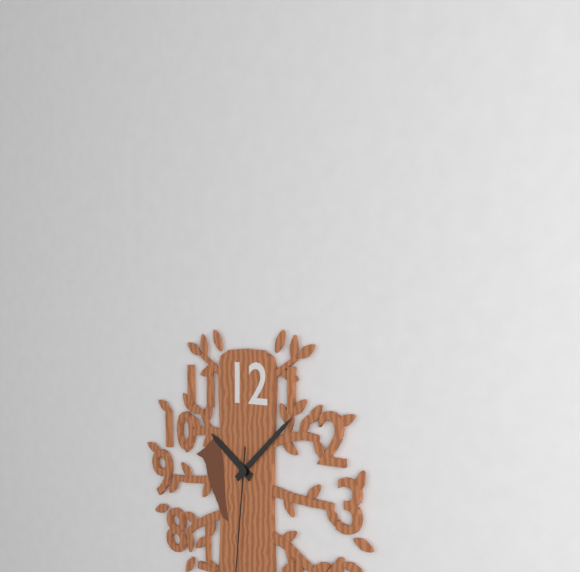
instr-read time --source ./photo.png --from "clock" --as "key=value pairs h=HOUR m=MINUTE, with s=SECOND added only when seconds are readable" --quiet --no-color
h=10 m=8
